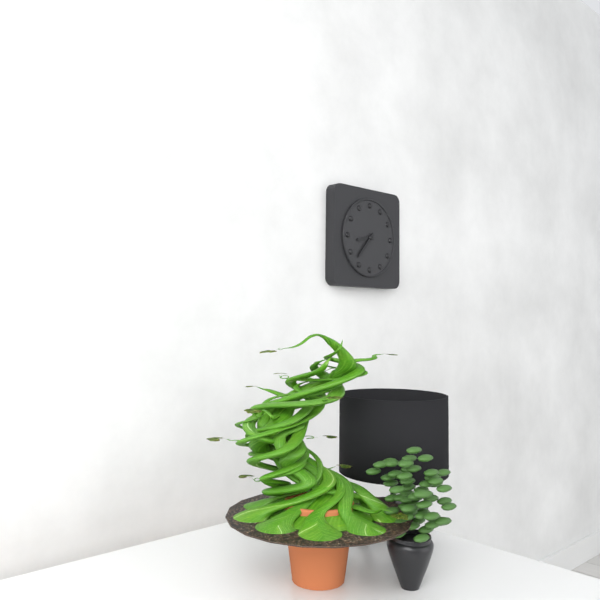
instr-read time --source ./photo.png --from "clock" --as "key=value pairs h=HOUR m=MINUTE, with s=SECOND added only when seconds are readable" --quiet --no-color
h=8 m=37
